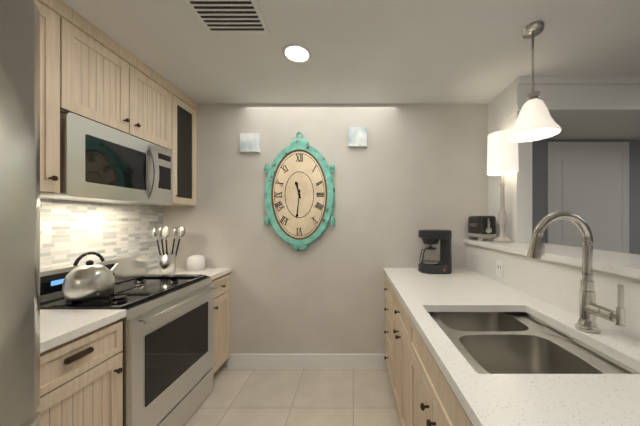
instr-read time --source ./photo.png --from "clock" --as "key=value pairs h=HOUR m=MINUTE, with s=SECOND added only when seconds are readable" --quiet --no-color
h=11 m=31
